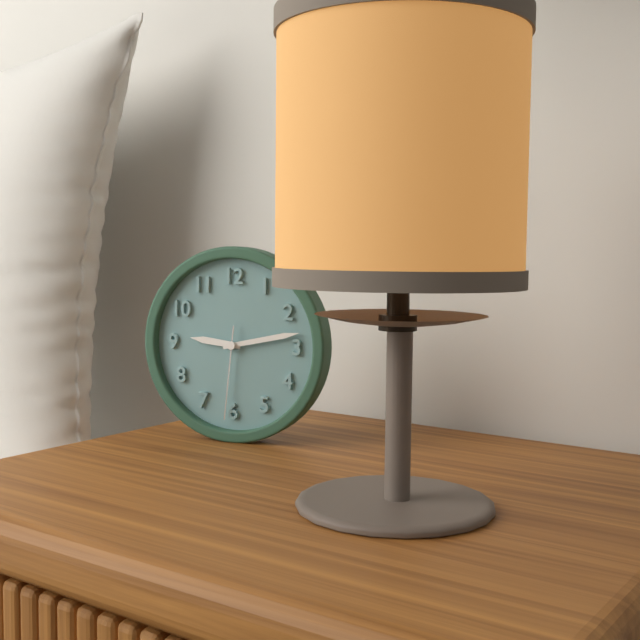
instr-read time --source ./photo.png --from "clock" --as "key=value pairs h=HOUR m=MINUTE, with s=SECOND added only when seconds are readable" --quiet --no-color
h=9 m=13 s=31
